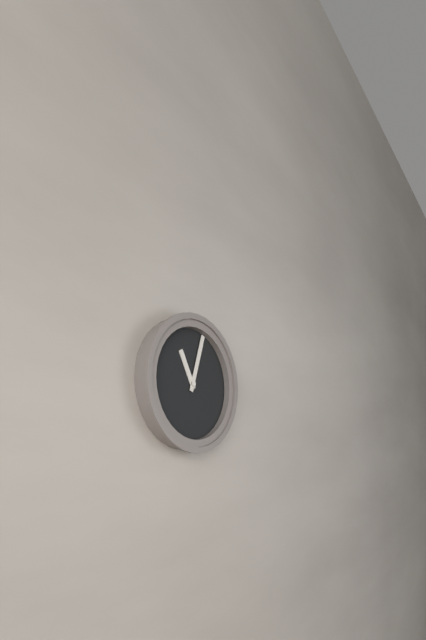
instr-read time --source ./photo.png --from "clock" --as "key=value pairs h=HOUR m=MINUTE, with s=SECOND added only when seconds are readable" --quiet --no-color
h=11 m=3
